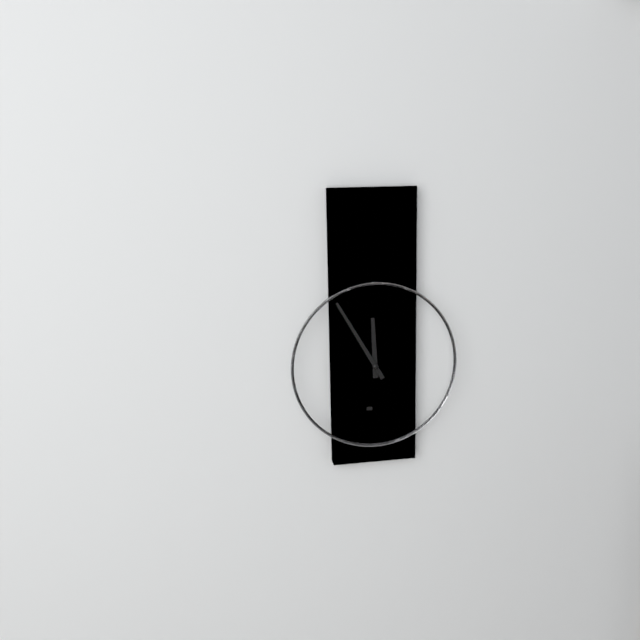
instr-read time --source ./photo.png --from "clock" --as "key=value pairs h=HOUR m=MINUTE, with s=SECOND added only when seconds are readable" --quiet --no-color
h=11 m=55
